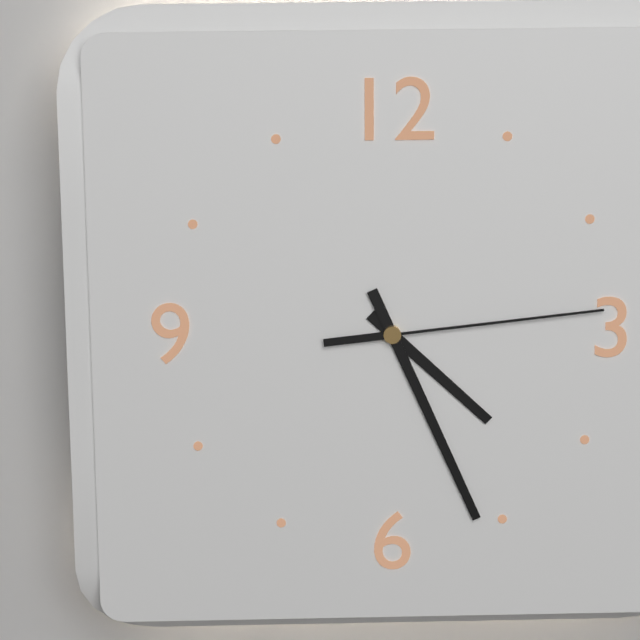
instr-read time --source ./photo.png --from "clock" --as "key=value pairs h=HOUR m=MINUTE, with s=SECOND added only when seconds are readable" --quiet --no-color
h=4 m=26 s=14
